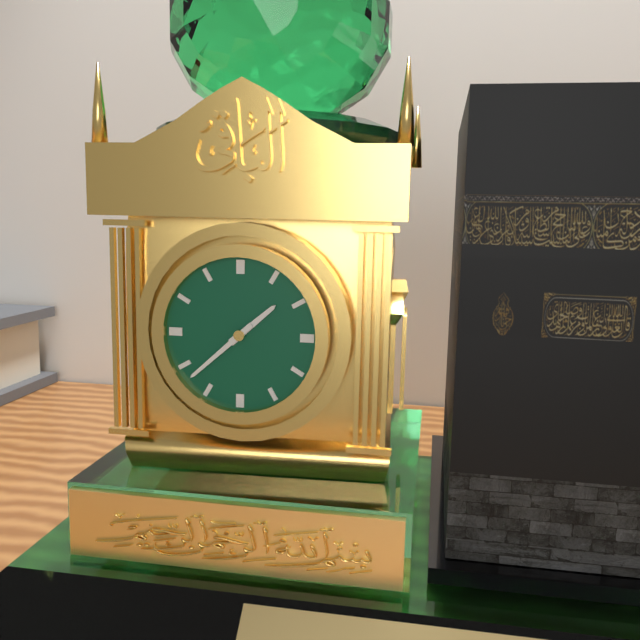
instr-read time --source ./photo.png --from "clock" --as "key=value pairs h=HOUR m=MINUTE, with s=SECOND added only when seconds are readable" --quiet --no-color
h=1 m=38
